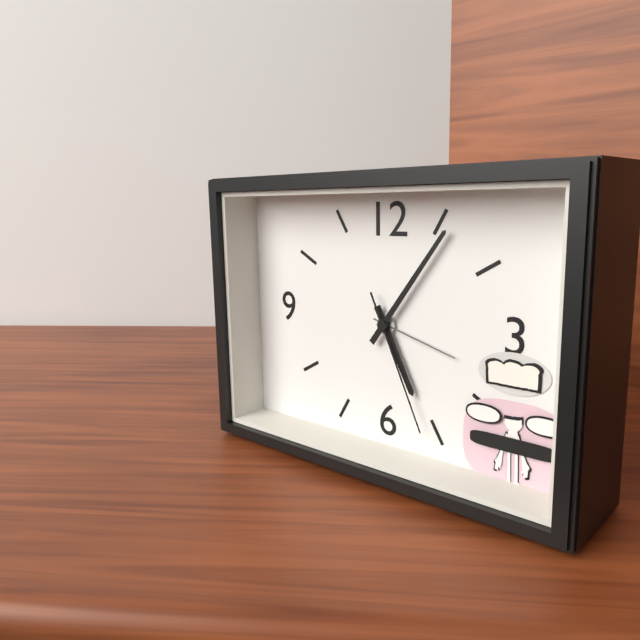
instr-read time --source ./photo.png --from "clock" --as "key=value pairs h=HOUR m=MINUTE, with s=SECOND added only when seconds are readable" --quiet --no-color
h=5 m=6 s=26
